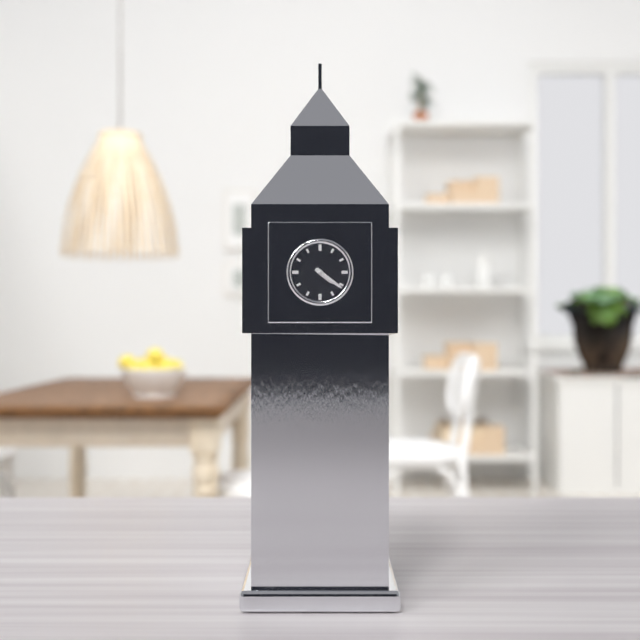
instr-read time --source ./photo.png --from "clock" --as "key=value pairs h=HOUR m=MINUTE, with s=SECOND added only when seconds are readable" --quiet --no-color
h=4 m=21
